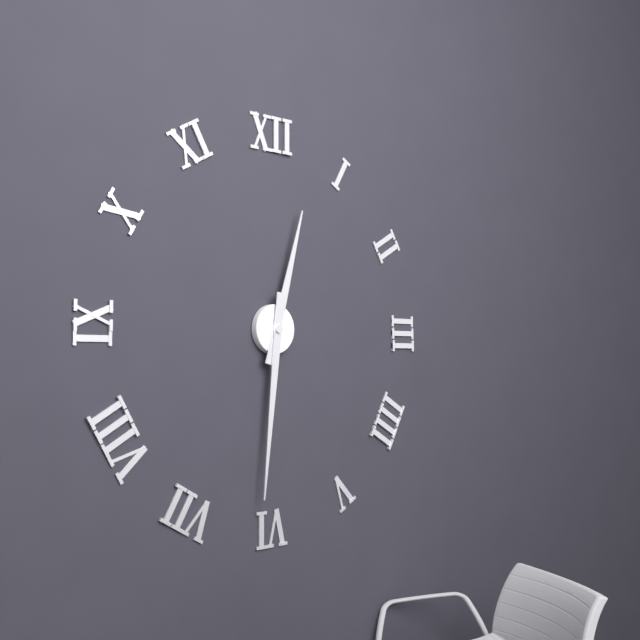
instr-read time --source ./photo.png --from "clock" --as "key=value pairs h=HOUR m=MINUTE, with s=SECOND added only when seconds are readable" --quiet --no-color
h=12 m=31
